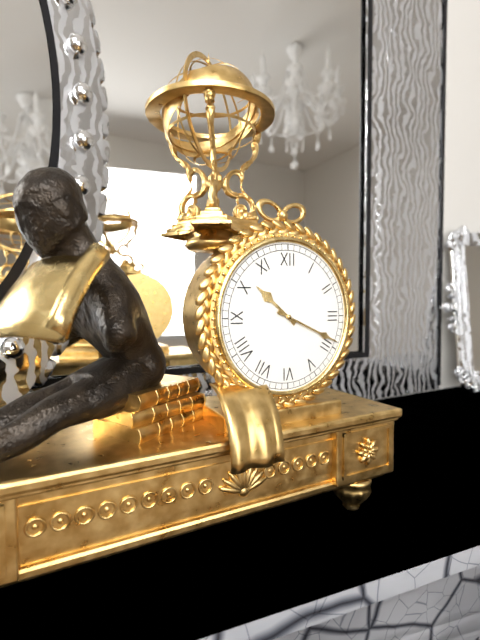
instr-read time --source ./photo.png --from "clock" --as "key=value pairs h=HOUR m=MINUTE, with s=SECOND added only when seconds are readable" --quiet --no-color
h=10 m=19
